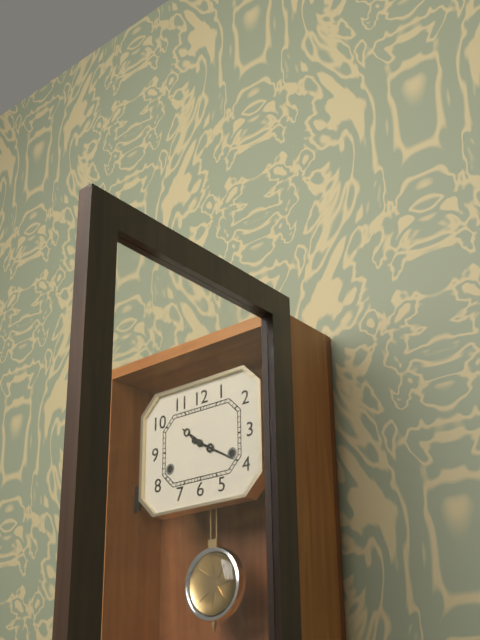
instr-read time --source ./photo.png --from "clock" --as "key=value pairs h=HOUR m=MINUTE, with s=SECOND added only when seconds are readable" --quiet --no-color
h=10 m=20
